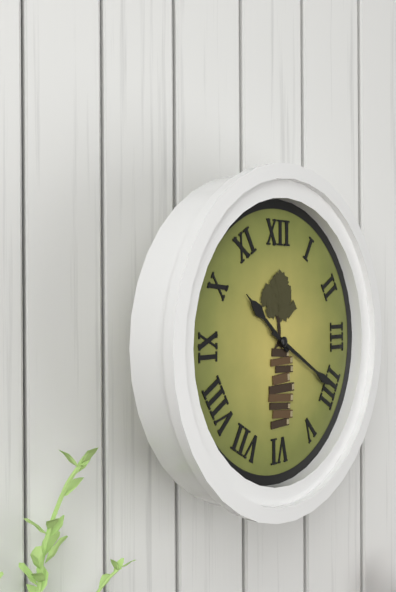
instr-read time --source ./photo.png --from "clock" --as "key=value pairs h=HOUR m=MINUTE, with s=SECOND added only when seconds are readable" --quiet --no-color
h=10 m=20
